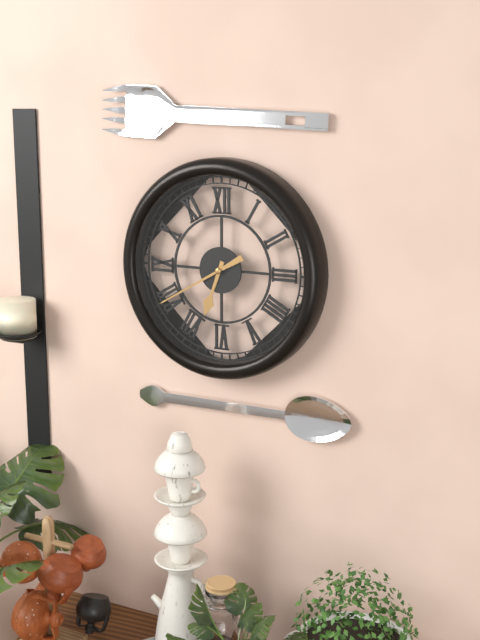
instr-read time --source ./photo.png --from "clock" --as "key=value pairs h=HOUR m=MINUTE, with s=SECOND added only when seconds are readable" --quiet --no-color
h=6 m=40
